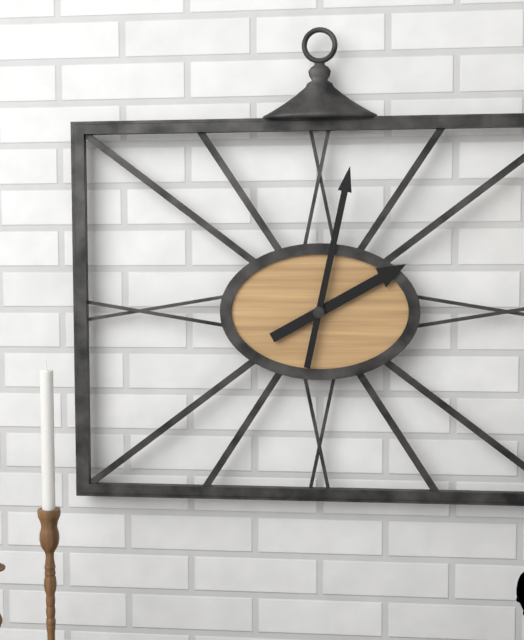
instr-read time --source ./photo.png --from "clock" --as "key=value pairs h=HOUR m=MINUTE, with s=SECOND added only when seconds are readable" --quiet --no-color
h=2 m=2
